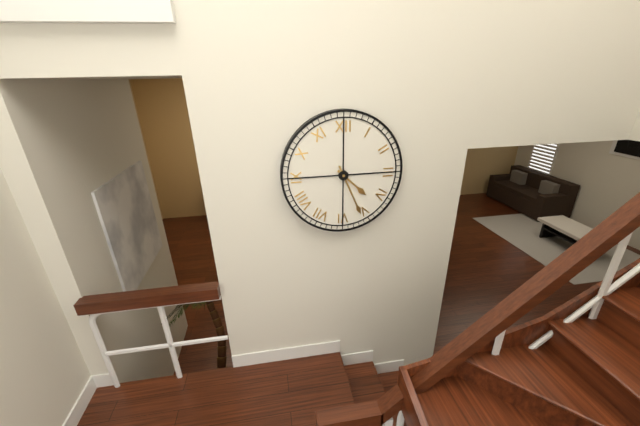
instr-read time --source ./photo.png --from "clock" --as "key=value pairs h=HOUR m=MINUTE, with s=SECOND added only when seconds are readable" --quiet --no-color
h=4 m=26
